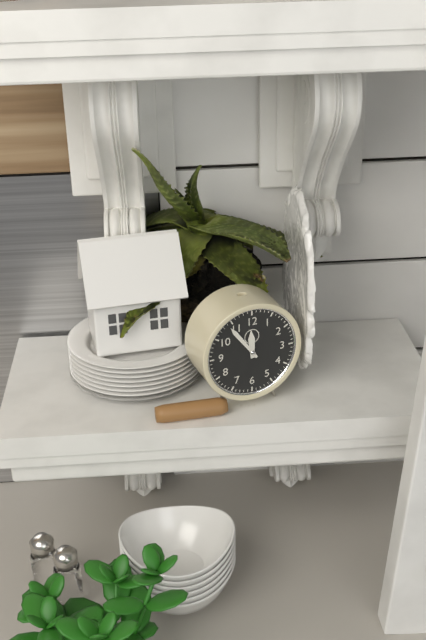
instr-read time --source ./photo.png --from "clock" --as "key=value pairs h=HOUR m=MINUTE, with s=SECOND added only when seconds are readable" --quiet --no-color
h=11 m=54
